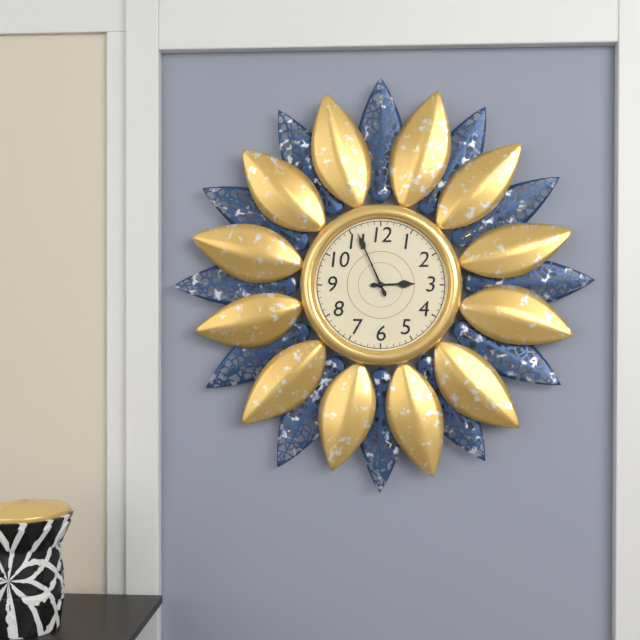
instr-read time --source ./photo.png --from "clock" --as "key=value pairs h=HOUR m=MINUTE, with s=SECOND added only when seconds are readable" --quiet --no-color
h=2 m=56
